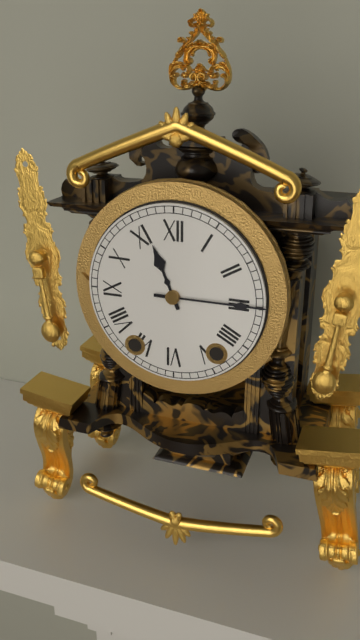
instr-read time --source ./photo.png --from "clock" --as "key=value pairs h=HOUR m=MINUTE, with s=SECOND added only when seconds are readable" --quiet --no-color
h=11 m=15
